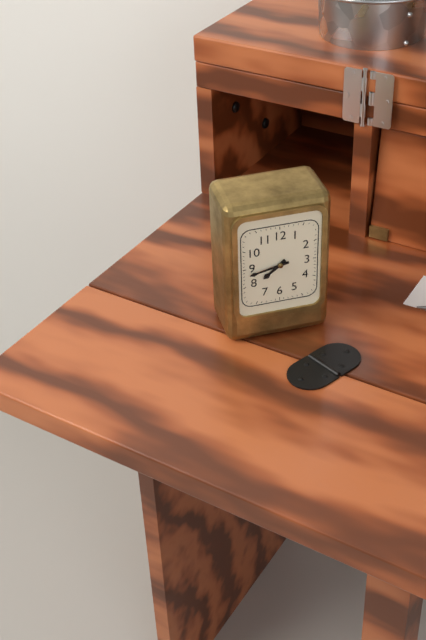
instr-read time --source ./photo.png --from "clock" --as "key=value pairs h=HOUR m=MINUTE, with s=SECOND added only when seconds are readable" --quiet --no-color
h=7 m=43
